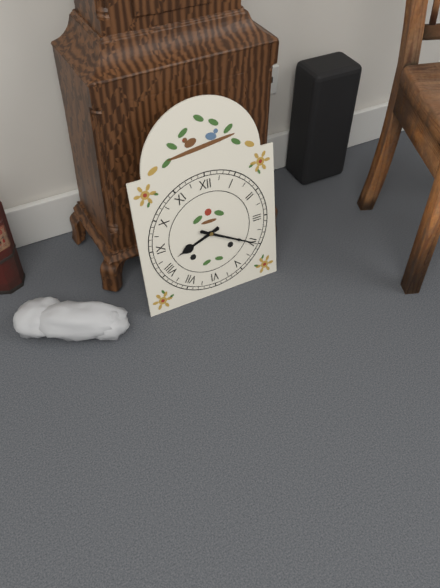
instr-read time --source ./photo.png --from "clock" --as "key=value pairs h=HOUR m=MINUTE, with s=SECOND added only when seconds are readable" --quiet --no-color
h=8 m=20
